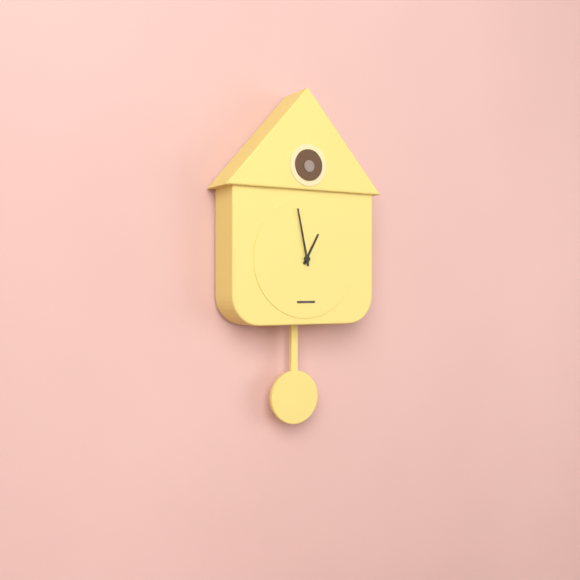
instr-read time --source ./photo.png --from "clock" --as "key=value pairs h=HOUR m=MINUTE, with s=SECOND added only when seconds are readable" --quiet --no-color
h=12 m=58
